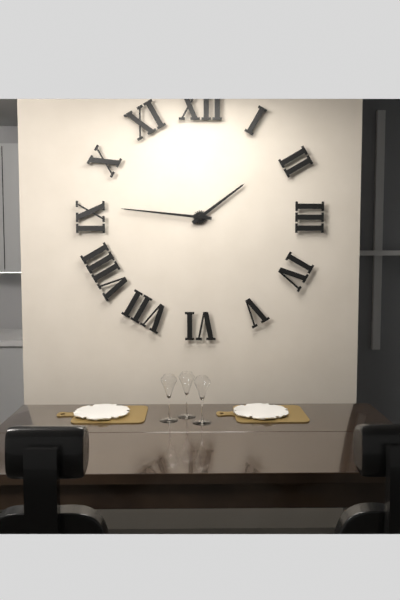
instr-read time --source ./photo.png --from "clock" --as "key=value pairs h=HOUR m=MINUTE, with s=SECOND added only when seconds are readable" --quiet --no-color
h=1 m=46
